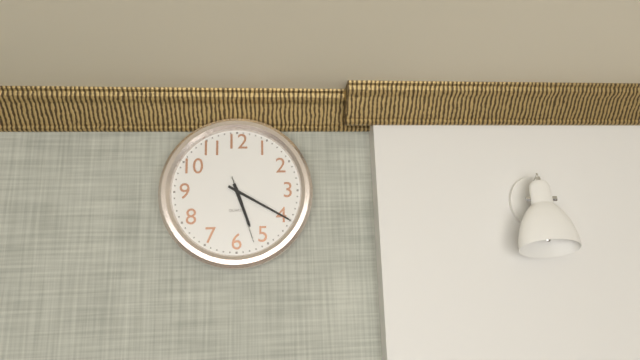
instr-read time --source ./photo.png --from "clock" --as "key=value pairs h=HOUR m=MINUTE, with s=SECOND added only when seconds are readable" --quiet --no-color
h=5 m=20 s=27
